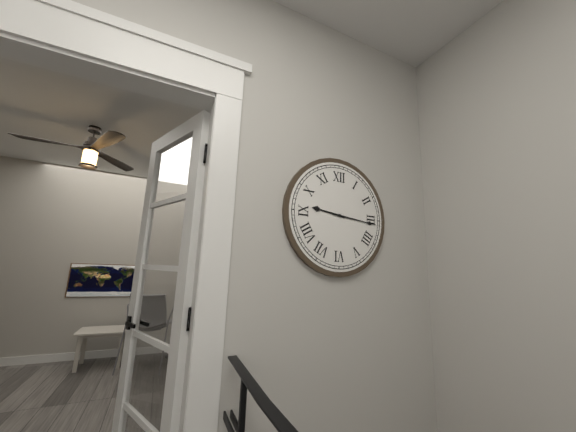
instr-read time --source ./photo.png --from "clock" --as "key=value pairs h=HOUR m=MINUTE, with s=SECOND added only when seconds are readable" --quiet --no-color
h=9 m=16
